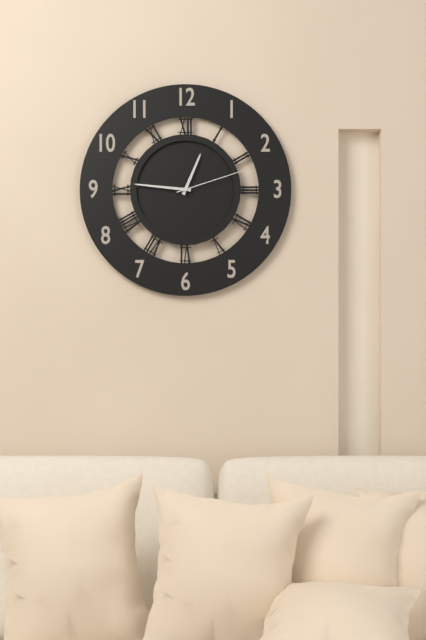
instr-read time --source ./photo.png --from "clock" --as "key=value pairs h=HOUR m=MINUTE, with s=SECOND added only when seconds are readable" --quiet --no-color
h=12 m=46 s=12
